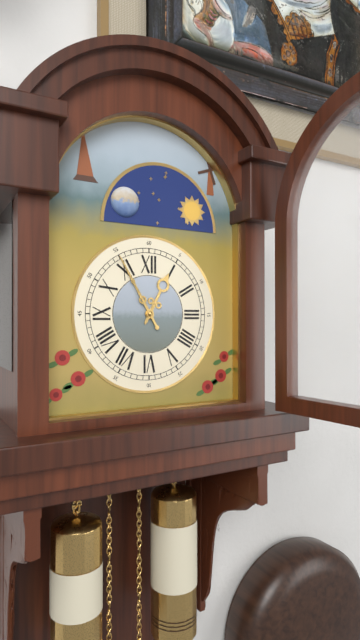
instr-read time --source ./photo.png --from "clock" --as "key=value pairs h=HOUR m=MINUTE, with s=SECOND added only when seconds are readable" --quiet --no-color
h=12 m=55
